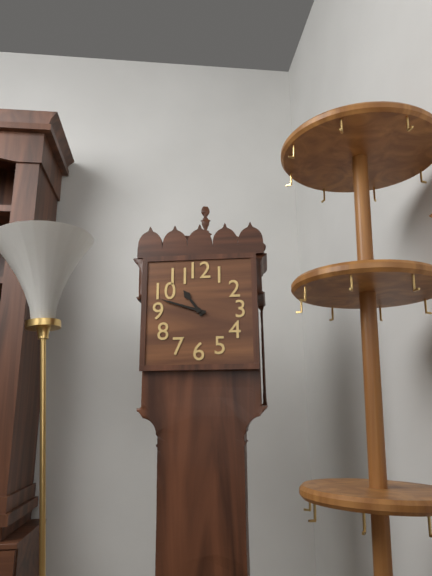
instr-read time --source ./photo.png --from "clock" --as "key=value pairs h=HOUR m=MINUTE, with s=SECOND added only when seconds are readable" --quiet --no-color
h=10 m=48
